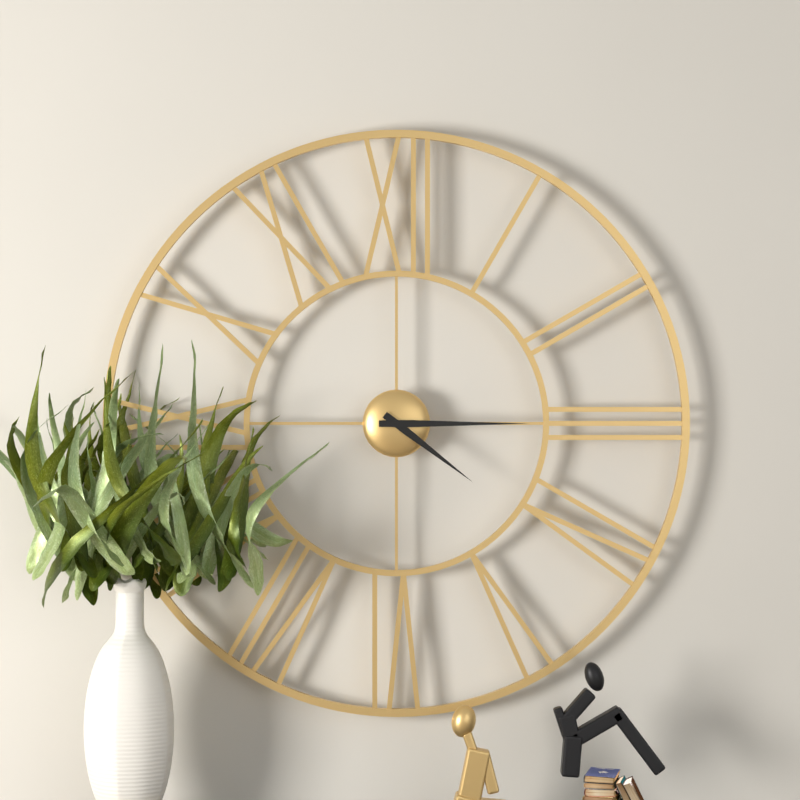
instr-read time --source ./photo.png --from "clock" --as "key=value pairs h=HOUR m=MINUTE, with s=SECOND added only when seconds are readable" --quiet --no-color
h=4 m=15
